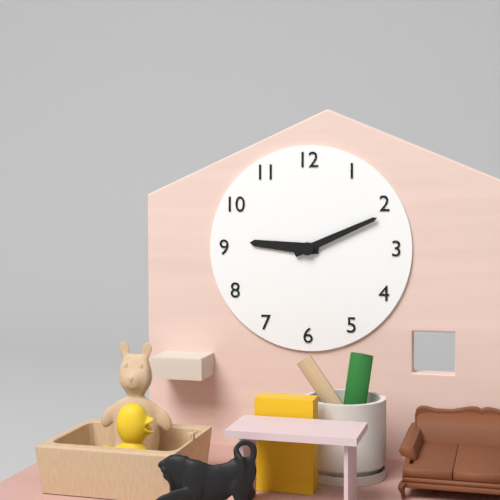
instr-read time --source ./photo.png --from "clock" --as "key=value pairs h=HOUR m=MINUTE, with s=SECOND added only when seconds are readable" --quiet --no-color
h=9 m=11
